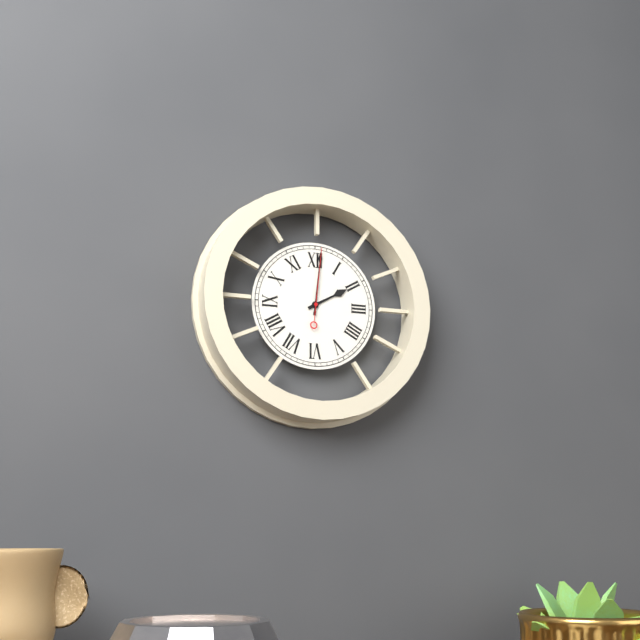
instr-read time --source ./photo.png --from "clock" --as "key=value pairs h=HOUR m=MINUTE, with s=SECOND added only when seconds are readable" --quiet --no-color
h=2 m=1 s=1
